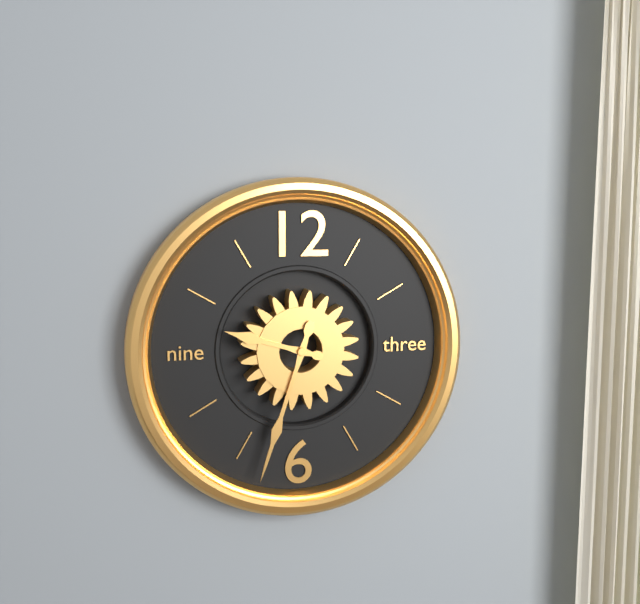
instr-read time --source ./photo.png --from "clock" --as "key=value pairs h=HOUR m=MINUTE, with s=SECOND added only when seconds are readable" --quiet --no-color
h=9 m=33
